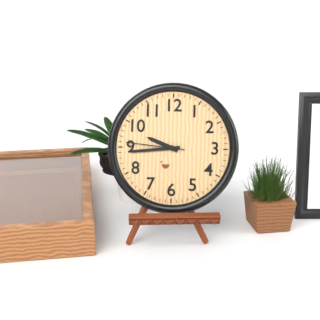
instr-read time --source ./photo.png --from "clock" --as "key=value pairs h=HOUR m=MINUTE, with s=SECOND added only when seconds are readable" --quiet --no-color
h=9 m=44 s=46
